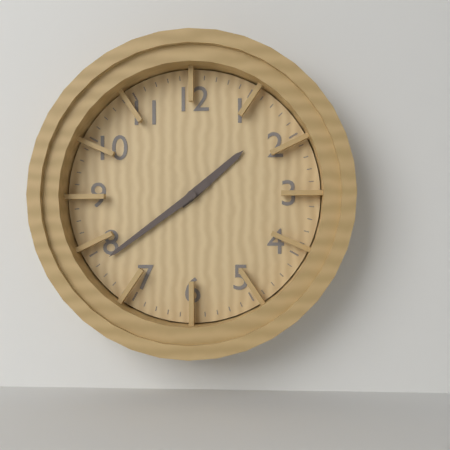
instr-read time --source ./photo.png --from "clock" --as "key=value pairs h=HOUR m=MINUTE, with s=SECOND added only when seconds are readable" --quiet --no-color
h=1 m=39
